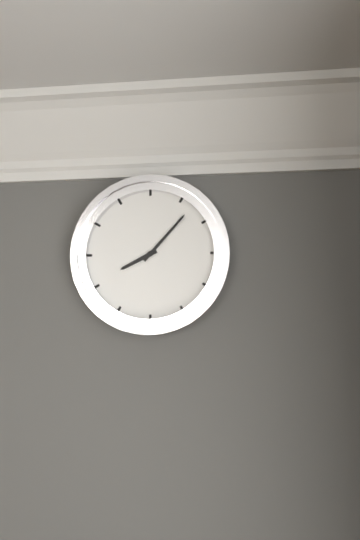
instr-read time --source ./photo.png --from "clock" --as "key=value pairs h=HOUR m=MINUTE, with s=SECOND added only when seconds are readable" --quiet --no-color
h=8 m=7
